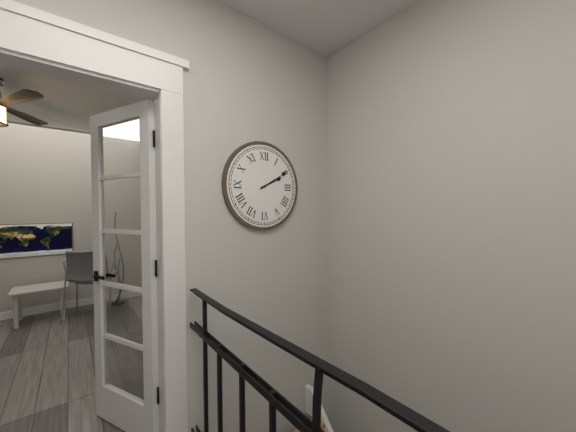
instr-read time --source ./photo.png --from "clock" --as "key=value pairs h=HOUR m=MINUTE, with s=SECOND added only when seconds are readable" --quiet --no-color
h=2 m=10
